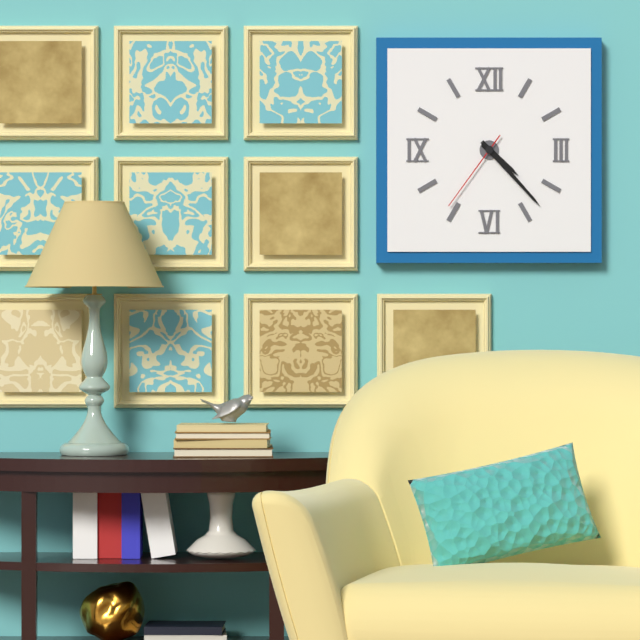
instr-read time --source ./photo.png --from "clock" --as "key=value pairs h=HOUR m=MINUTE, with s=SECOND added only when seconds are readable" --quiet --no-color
h=4 m=23 s=36
